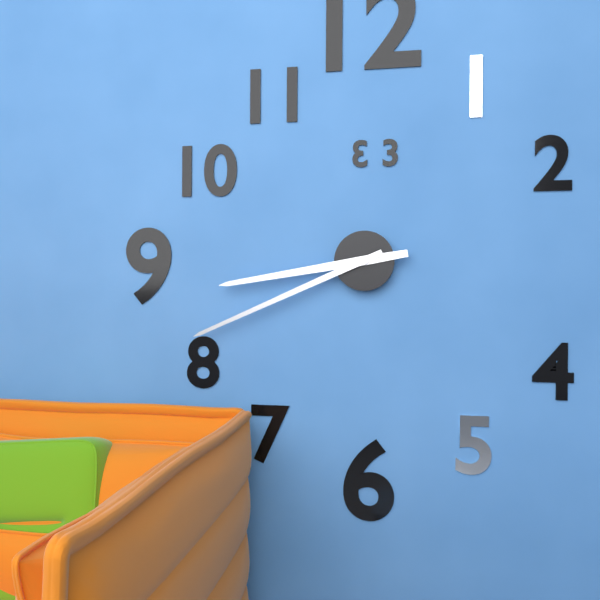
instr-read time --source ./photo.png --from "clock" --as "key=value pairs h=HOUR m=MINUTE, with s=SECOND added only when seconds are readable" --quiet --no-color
h=8 m=41
